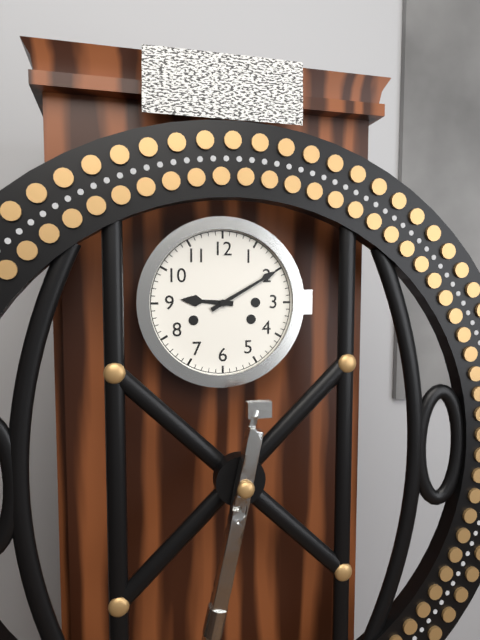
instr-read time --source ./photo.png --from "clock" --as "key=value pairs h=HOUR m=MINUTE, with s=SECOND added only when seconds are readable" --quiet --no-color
h=9 m=10
